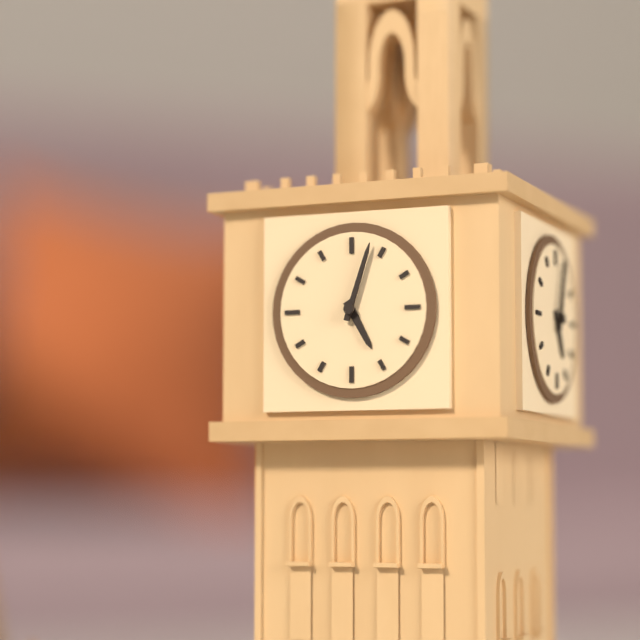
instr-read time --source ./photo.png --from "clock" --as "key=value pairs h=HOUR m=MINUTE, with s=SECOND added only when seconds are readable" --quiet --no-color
h=5 m=3
